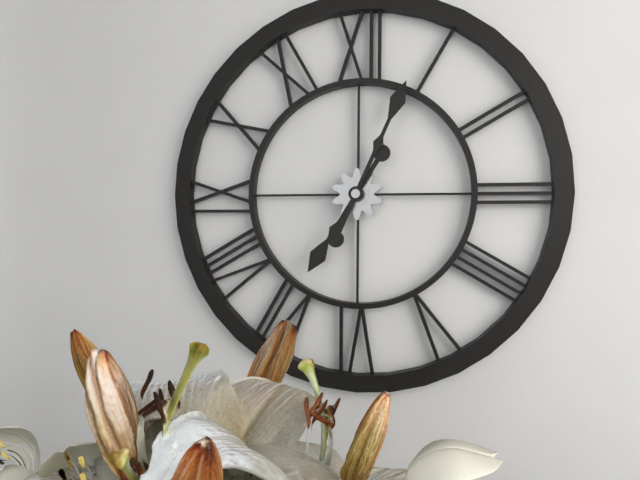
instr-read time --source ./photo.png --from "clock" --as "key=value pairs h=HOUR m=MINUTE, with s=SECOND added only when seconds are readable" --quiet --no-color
h=7 m=4
